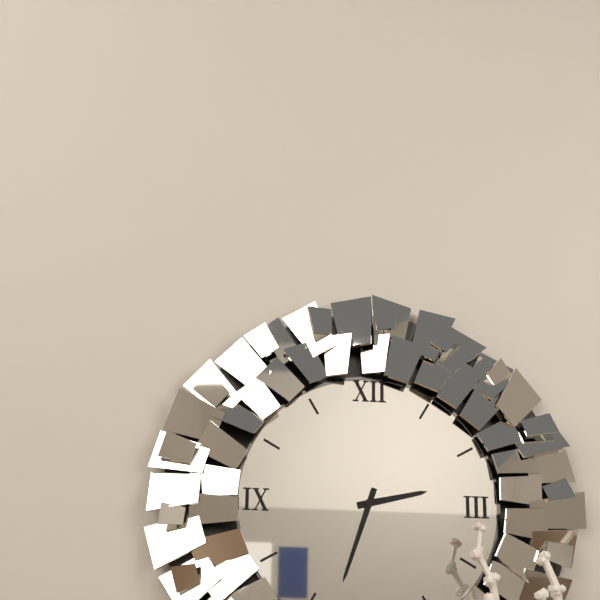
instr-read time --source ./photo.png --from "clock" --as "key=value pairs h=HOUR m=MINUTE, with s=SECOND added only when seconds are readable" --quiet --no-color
h=2 m=33
